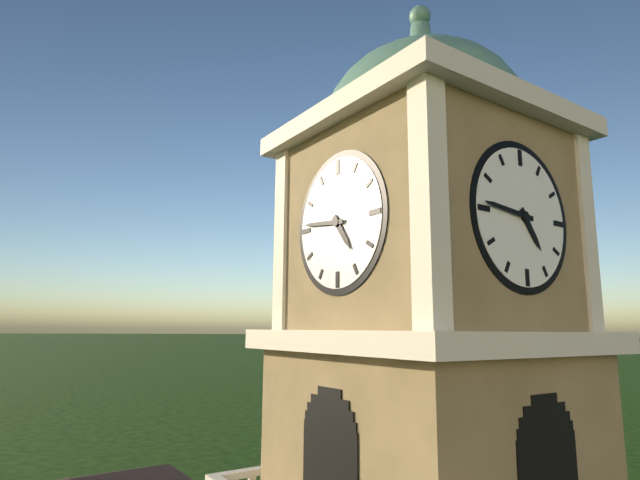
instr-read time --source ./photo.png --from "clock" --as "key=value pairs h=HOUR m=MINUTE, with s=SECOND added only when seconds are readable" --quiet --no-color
h=4 m=46
